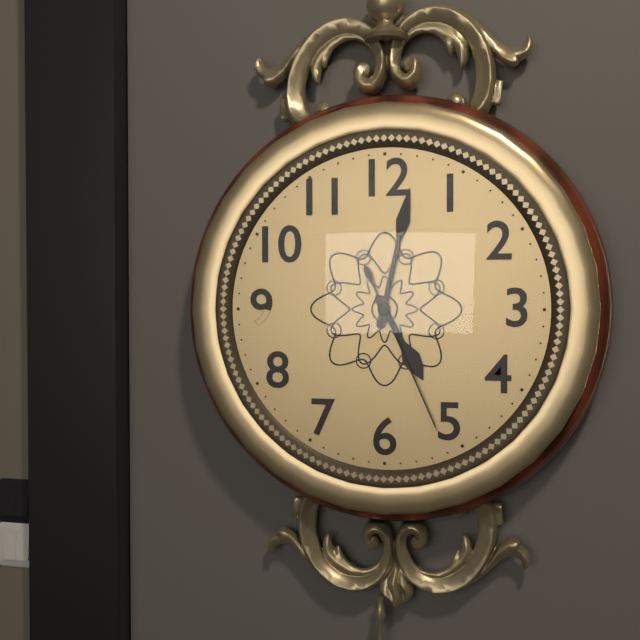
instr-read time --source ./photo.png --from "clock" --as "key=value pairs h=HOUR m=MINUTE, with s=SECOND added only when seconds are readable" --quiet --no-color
h=5 m=2 s=26
